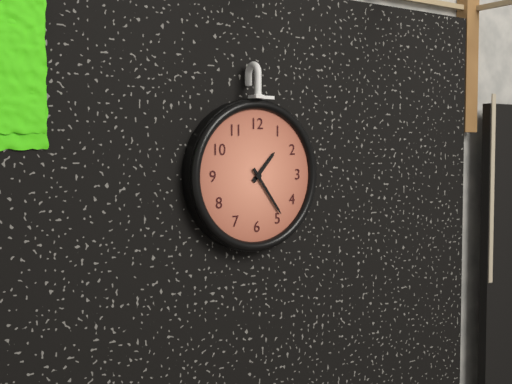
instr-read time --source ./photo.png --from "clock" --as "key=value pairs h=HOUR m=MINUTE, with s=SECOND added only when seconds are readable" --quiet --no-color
h=1 m=24
